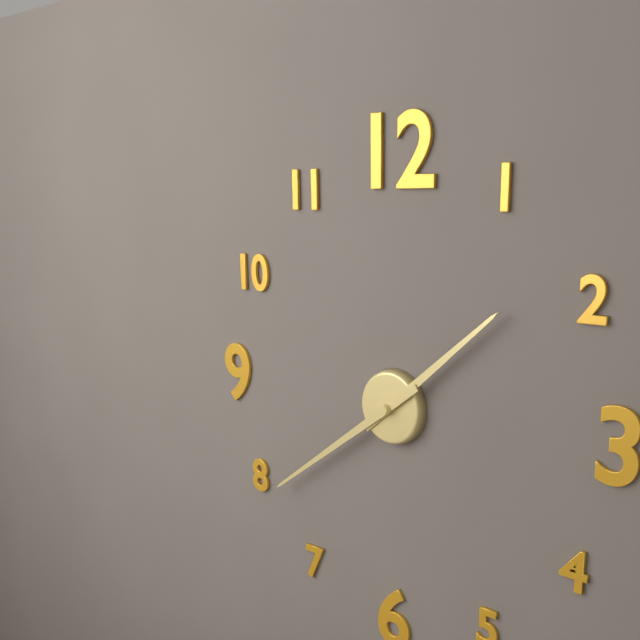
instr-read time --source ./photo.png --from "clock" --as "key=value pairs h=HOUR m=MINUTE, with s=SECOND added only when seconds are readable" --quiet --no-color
h=1 m=39
